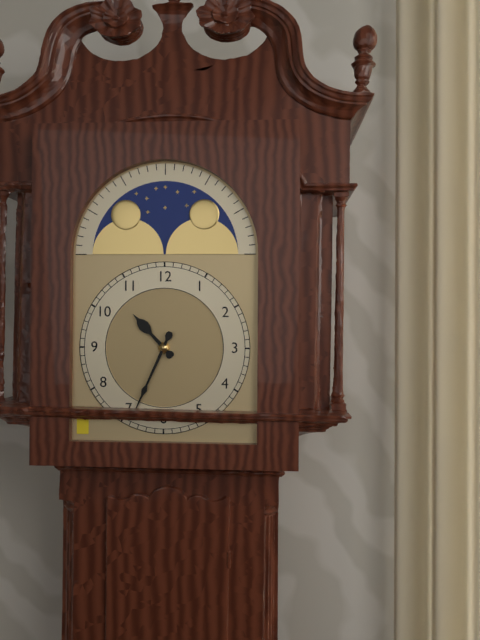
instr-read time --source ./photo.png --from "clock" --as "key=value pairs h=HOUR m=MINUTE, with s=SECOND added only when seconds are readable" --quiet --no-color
h=10 m=34
